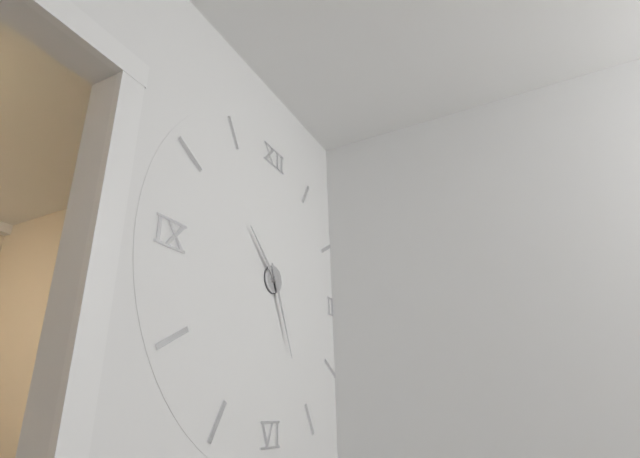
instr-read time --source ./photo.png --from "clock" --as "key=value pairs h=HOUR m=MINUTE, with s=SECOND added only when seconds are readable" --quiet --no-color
h=10 m=26
